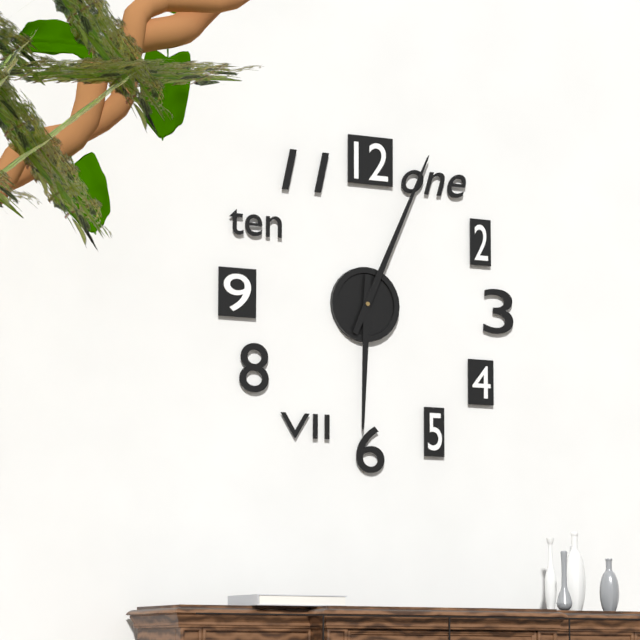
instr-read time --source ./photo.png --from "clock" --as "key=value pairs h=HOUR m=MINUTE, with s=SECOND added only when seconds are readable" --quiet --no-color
h=6 m=4
